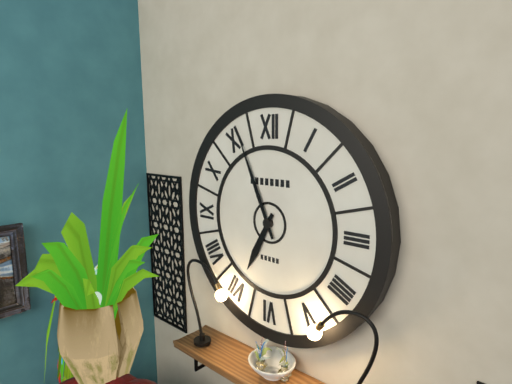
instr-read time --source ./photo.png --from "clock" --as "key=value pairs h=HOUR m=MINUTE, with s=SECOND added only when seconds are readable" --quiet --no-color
h=6 m=56
